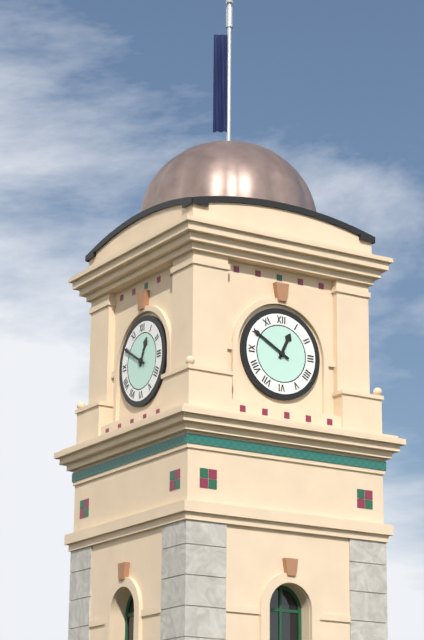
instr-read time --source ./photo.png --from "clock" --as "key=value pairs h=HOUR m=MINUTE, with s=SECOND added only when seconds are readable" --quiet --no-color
h=12 m=50
